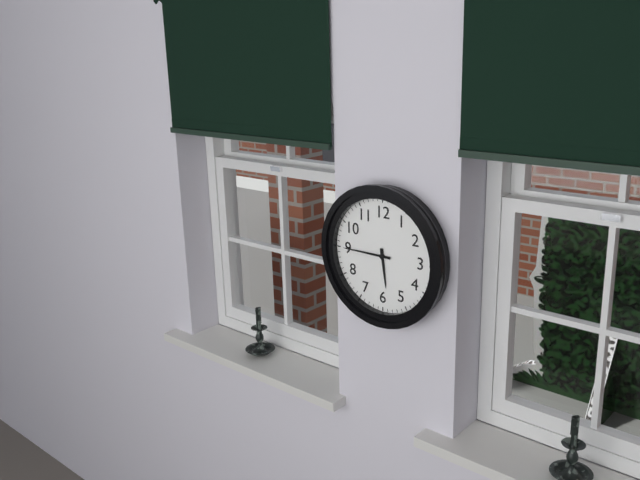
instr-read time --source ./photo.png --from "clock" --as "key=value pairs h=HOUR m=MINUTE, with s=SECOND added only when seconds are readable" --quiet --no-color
h=5 m=45
